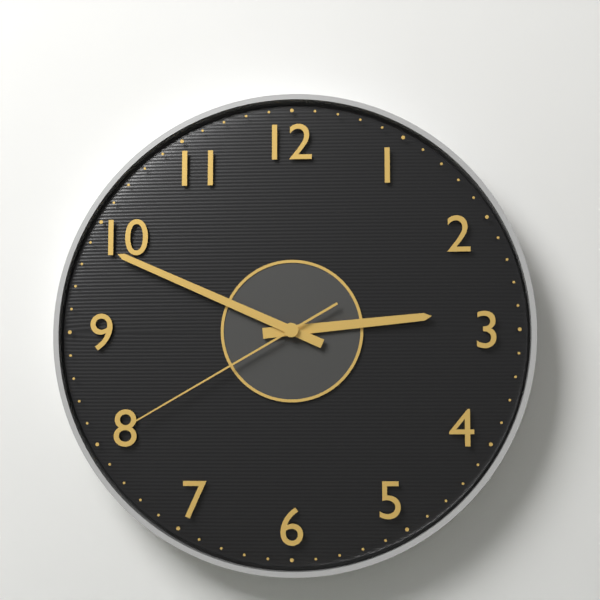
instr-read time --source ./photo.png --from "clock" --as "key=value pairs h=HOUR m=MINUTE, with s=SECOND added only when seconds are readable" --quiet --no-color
h=2 m=49 s=40
